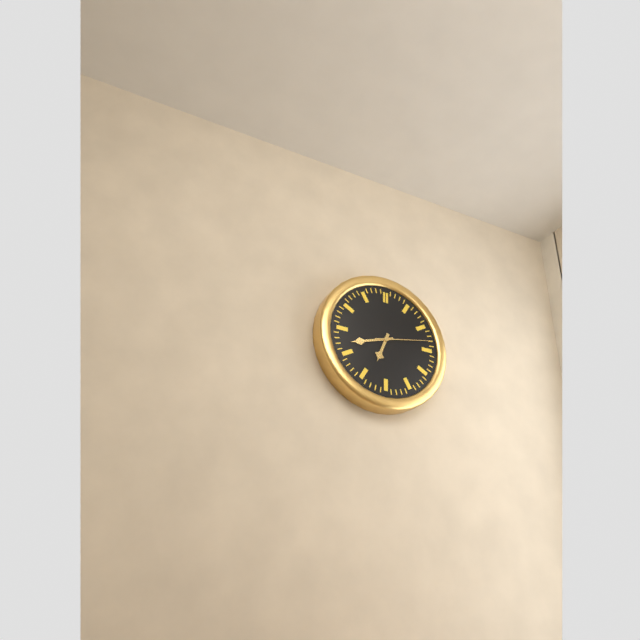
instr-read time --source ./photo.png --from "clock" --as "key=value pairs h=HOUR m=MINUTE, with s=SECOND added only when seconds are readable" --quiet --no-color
h=6 m=42 s=13
